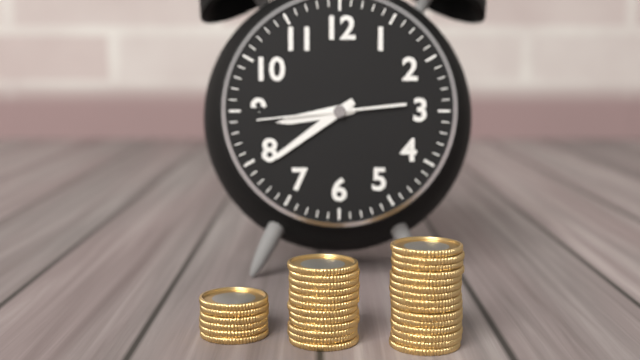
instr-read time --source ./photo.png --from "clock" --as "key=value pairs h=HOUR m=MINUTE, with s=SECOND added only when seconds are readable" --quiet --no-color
h=8 m=39 s=44
